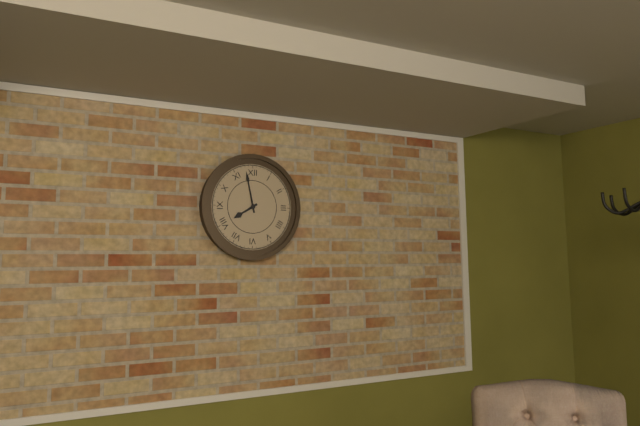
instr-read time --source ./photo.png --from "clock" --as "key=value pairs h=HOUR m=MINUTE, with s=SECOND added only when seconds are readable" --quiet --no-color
h=7 m=58
